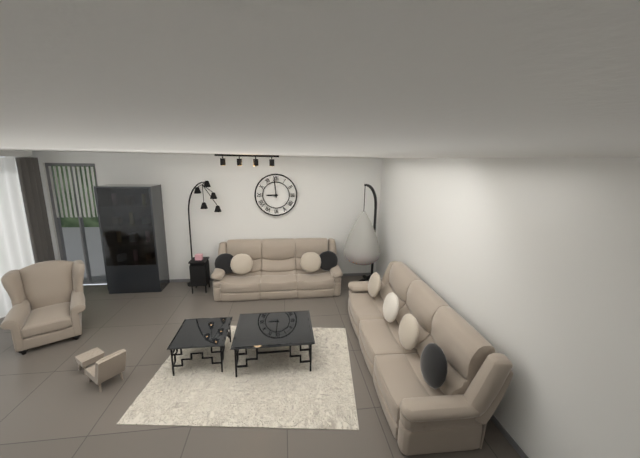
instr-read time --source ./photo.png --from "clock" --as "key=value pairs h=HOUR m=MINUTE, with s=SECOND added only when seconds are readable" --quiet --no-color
h=8 m=59
